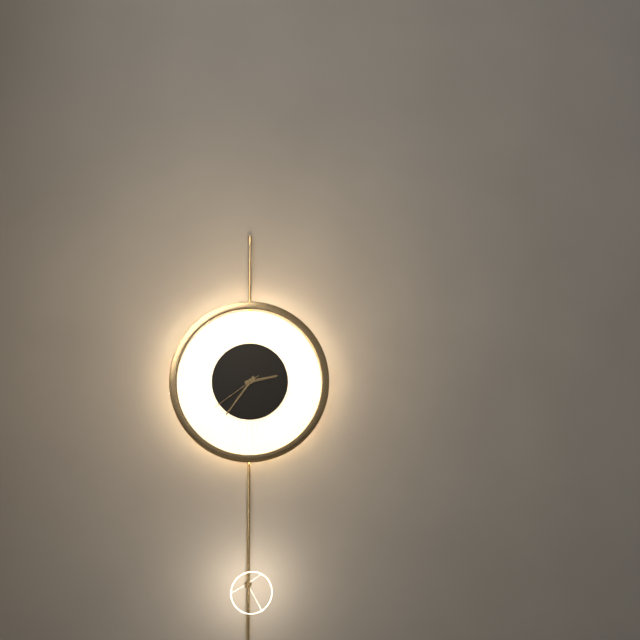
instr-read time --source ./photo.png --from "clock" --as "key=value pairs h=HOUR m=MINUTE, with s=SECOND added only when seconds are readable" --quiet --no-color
h=2 m=36 s=39
